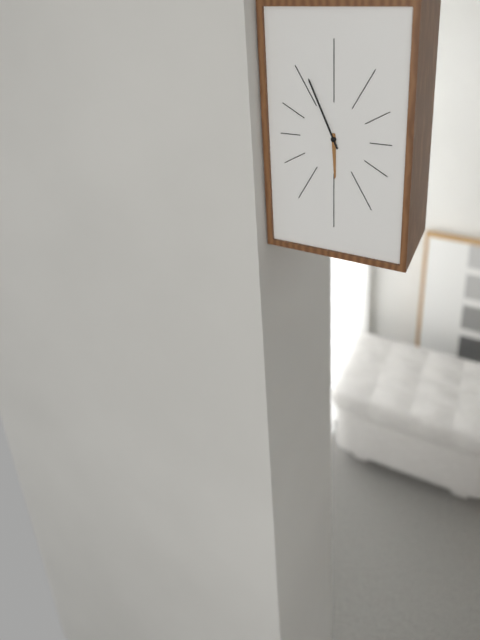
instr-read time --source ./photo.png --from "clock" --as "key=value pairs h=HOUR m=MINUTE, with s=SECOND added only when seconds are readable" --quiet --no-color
h=5 m=56
